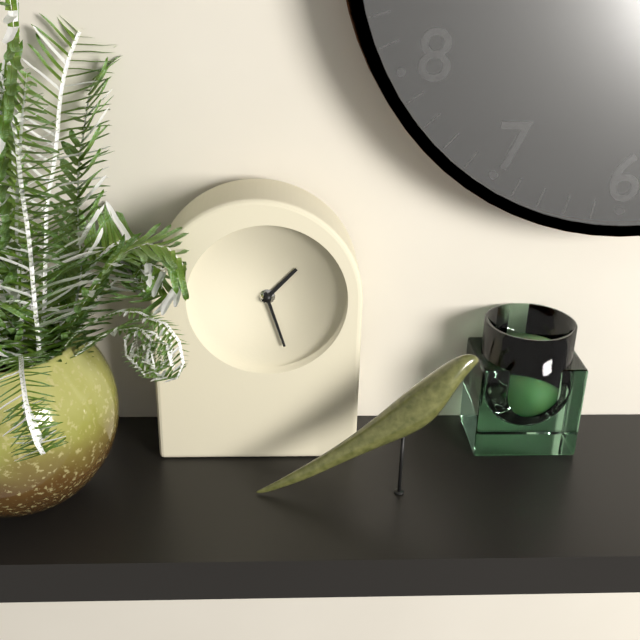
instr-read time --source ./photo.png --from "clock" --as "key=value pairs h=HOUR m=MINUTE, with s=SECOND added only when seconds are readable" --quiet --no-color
h=1 m=27
